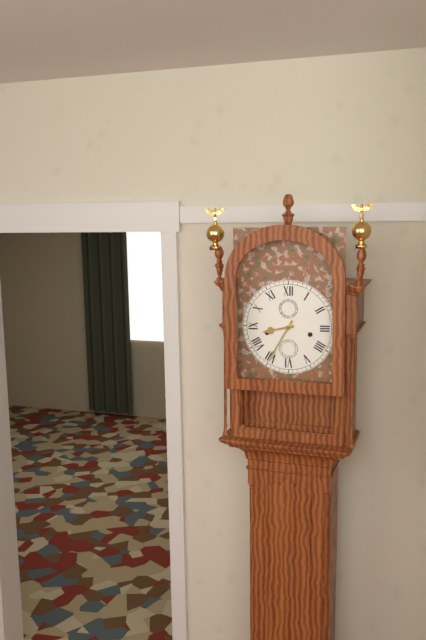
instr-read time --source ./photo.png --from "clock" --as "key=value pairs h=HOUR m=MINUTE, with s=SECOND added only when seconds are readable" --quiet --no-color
h=8 m=35
